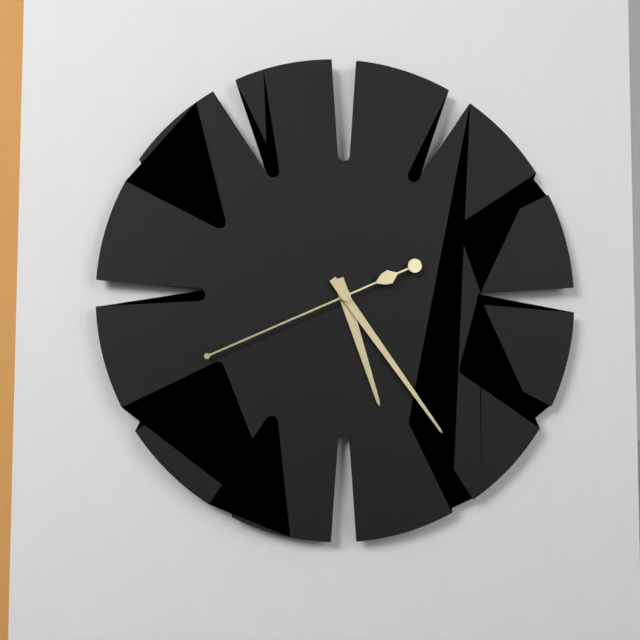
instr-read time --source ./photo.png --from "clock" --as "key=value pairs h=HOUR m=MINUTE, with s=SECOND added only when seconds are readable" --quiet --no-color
h=5 m=24 s=41
